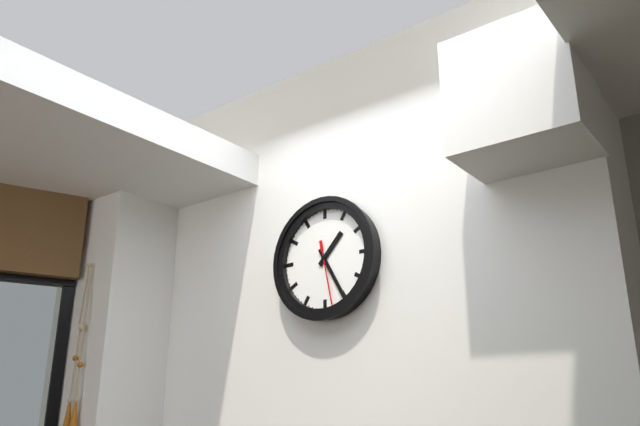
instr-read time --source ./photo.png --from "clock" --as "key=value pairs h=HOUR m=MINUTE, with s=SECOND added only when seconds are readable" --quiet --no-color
h=1 m=25 s=28
